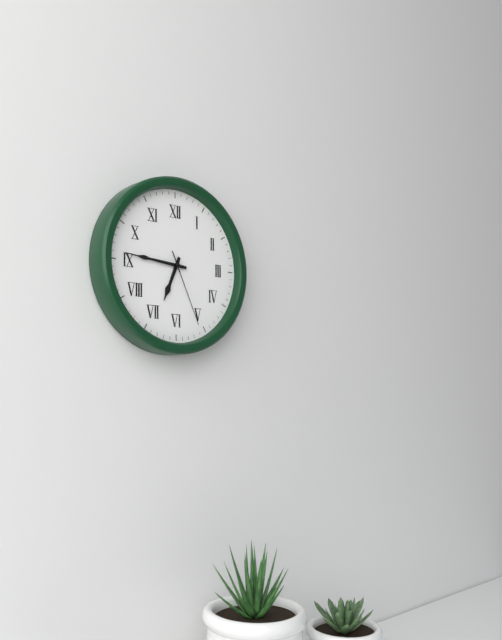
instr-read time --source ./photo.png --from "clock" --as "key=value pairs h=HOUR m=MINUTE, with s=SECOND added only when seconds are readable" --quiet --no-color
h=6 m=46 s=26
